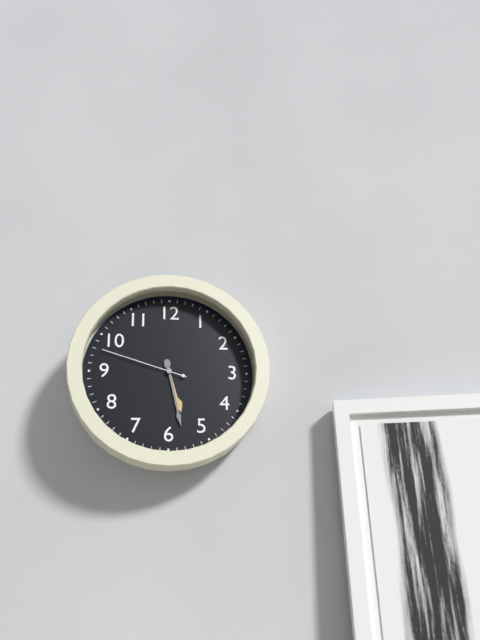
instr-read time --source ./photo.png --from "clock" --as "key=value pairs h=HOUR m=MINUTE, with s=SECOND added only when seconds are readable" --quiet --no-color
h=5 m=28 s=48
